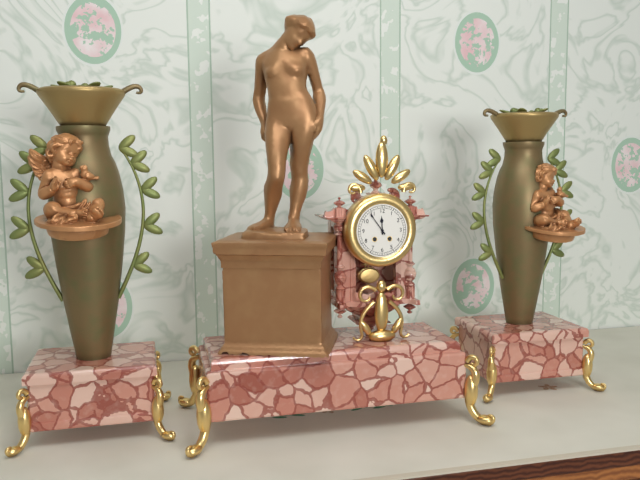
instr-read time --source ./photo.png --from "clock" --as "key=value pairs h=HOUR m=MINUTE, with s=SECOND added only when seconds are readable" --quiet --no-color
h=11 m=54
